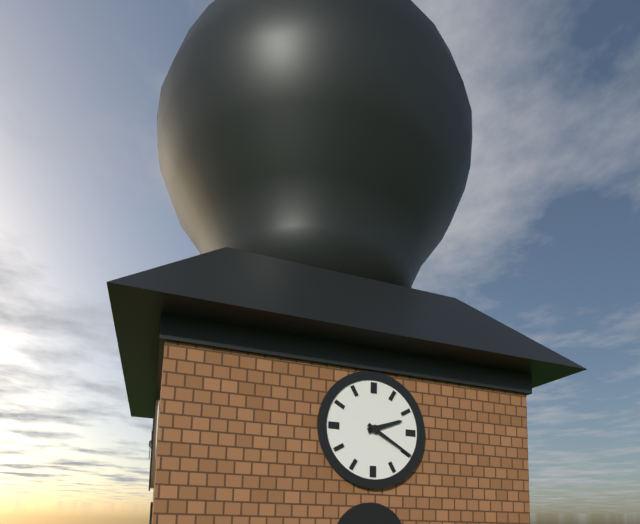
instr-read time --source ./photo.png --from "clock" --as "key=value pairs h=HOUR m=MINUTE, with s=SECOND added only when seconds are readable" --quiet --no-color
h=2 m=20
